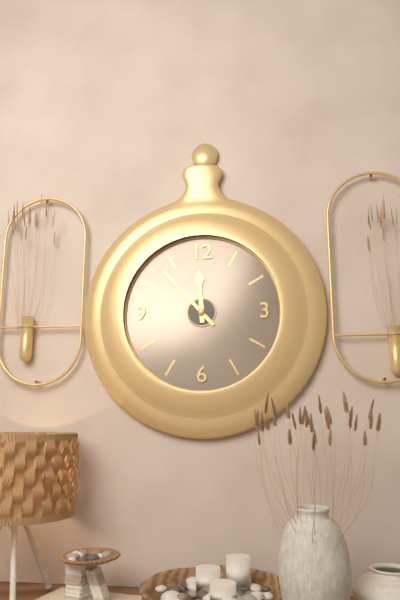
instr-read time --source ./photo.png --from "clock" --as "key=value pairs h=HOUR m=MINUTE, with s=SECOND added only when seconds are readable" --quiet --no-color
h=11 m=53
